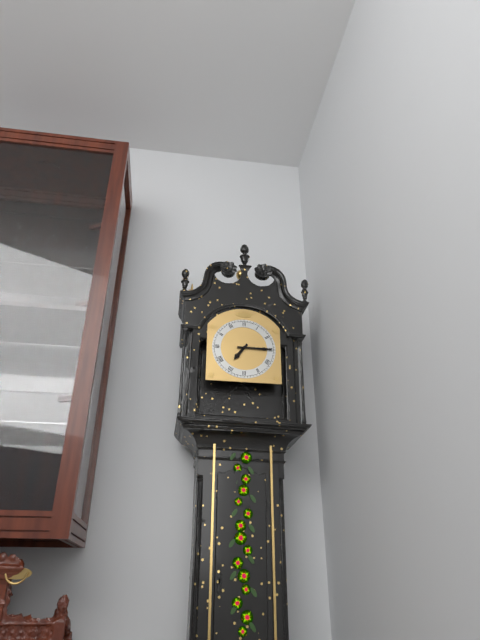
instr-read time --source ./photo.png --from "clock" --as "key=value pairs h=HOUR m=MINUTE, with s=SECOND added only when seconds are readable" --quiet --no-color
h=7 m=15
